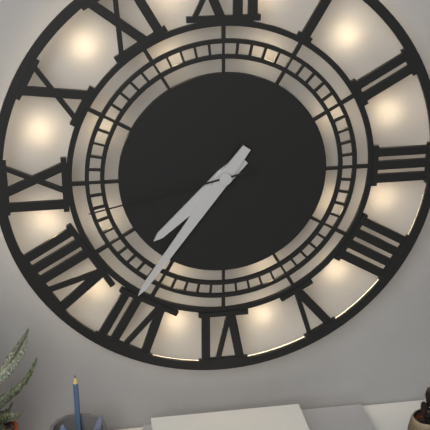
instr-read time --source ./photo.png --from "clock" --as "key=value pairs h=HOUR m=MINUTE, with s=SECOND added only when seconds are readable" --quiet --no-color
h=7 m=36 s=43
